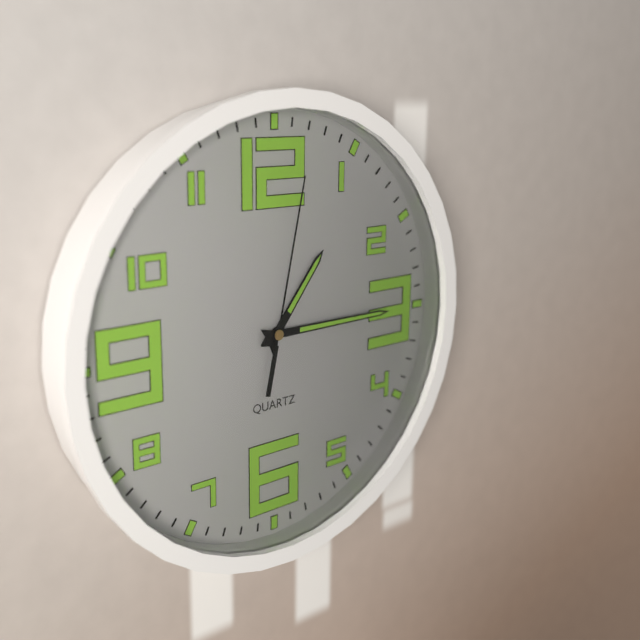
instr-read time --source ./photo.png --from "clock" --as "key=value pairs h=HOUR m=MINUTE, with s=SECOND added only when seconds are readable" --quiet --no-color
h=1 m=15 s=2
